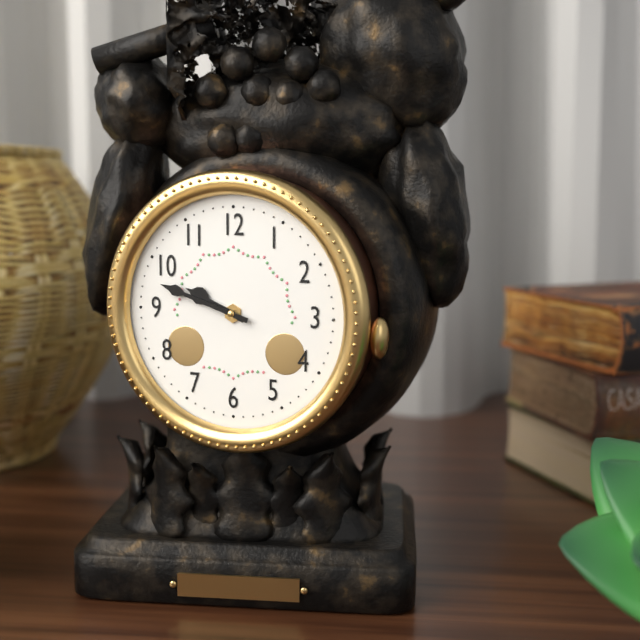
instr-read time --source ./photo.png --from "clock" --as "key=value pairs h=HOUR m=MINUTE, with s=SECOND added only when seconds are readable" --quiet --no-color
h=9 m=48
